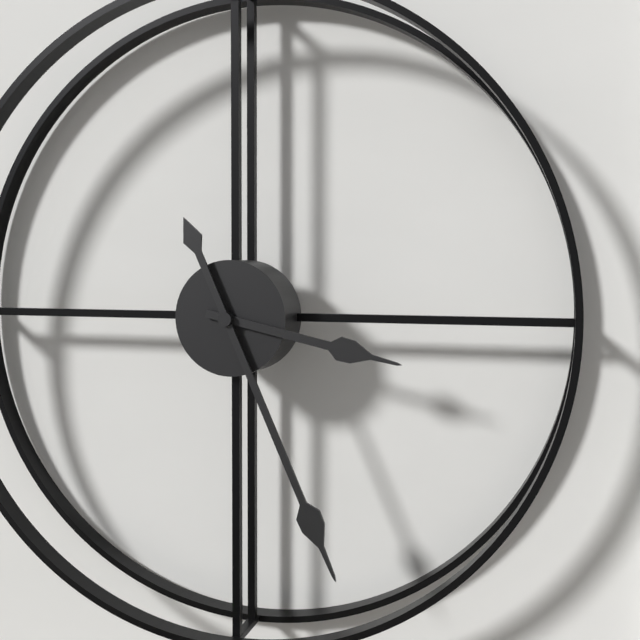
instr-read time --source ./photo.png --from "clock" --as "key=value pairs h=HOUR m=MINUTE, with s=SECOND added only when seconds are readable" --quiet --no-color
h=3 m=26
